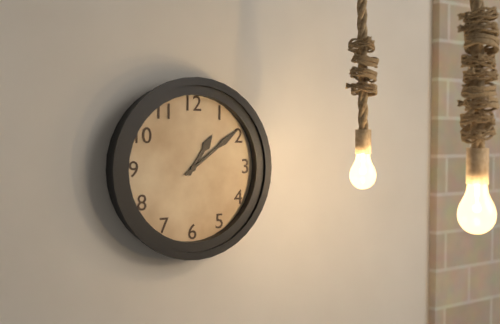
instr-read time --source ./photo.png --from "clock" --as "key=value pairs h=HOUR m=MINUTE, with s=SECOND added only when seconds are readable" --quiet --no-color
h=1 m=9
